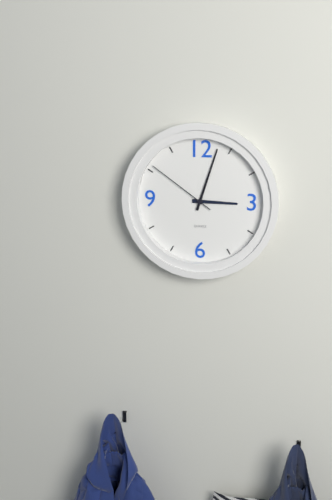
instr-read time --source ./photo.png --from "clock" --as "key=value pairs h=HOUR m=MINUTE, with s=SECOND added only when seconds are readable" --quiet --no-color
h=3 m=3 s=51
